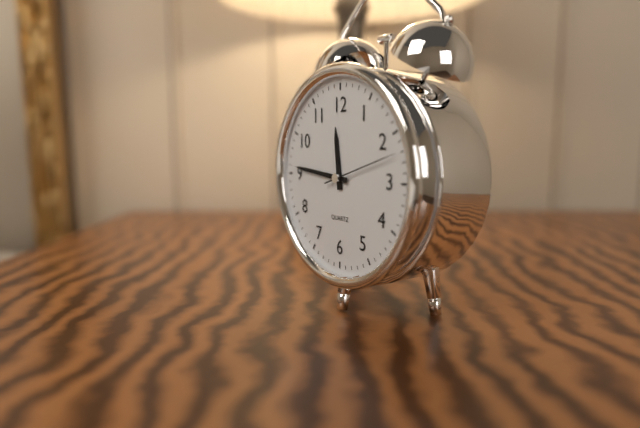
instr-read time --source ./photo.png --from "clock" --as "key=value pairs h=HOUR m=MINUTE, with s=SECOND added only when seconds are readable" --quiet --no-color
h=11 m=46 s=12
